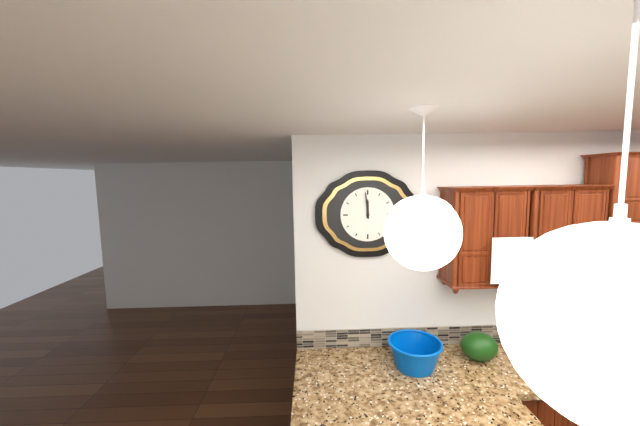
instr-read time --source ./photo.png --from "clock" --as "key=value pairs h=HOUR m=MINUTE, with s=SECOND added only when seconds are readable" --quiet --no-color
h=11 m=59
